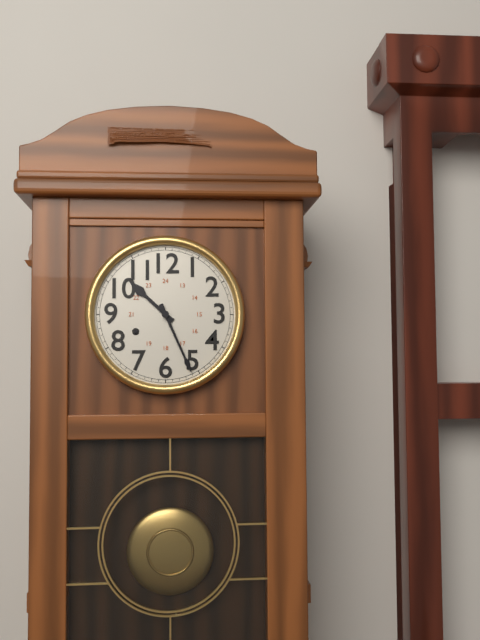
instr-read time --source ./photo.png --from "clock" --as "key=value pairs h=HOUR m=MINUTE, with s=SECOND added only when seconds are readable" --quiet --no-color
h=10 m=26
